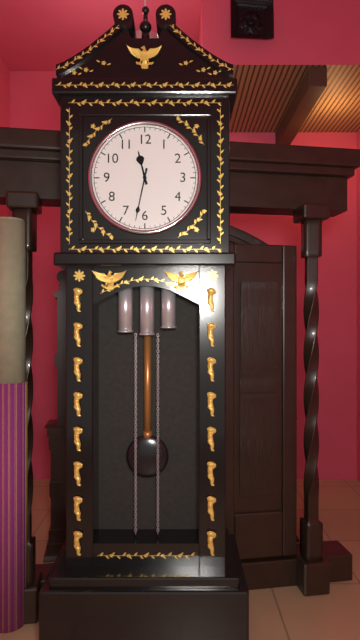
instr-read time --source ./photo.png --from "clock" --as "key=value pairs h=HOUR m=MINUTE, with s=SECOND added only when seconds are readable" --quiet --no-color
h=11 m=32
